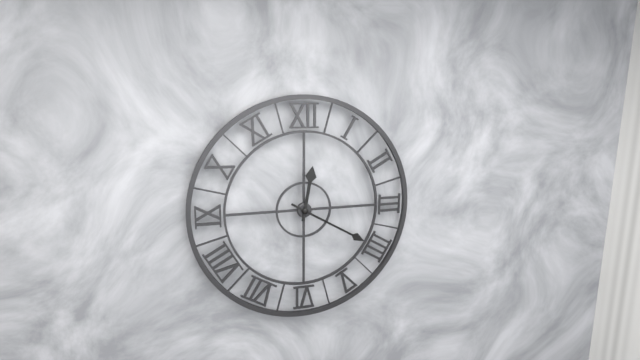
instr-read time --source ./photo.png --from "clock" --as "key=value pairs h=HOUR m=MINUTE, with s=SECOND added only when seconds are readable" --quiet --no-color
h=12 m=20
